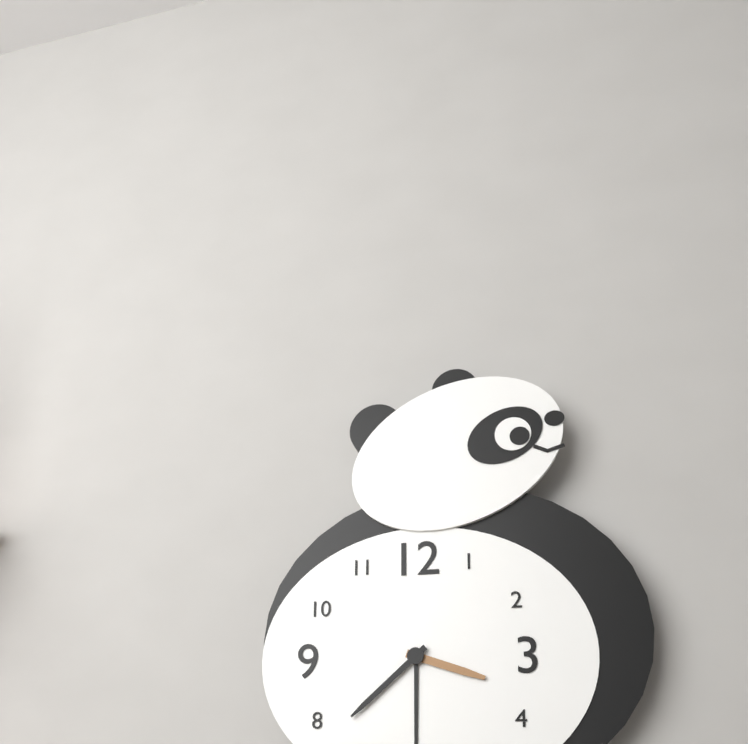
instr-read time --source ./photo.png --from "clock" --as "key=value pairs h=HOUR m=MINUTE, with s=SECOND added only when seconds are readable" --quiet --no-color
h=3 m=38
